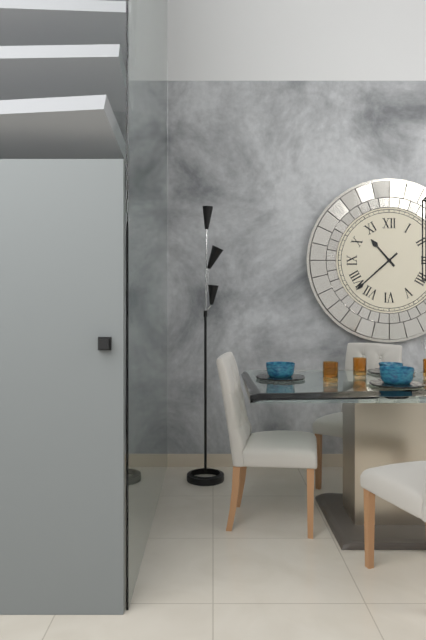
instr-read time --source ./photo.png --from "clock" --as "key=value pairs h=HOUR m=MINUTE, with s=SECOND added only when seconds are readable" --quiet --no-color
h=10 m=38
